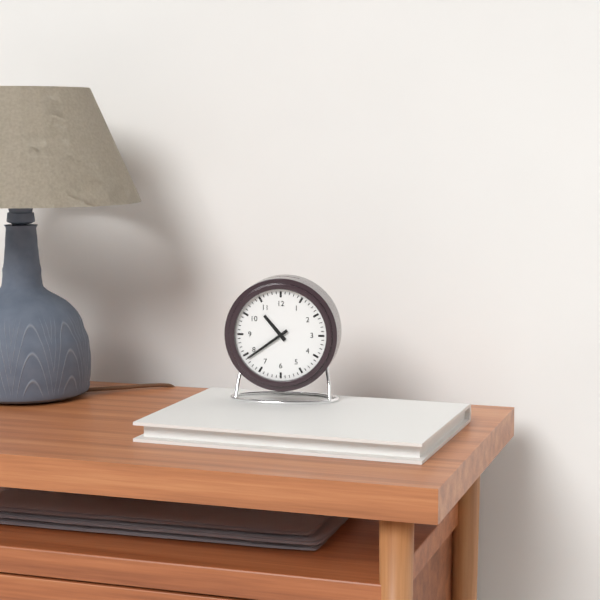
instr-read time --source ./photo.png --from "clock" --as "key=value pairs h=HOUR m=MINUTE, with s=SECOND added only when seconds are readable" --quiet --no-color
h=10 m=39
